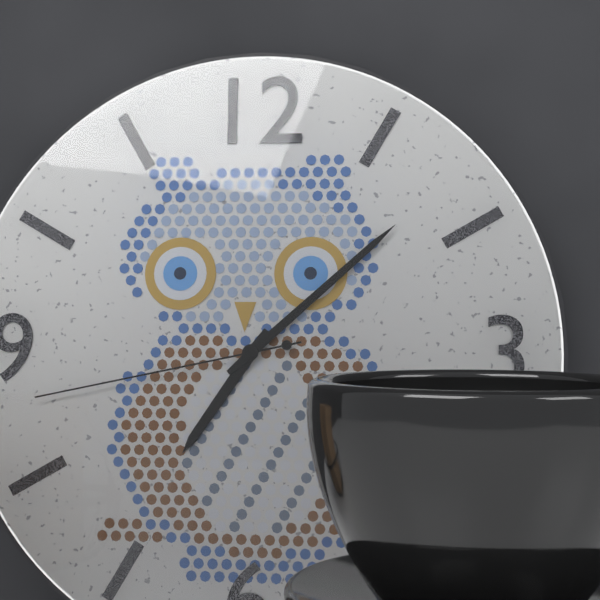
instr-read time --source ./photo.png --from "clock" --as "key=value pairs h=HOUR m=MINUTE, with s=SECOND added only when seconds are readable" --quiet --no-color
h=7 m=8 s=43
